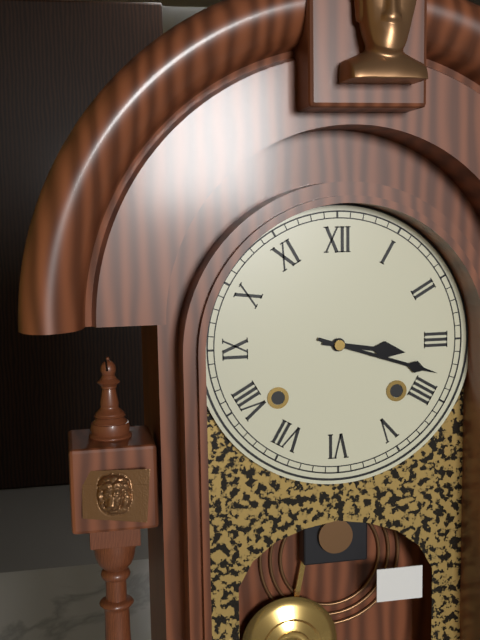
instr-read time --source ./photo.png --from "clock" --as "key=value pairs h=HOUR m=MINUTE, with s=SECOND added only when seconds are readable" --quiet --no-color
h=3 m=18
